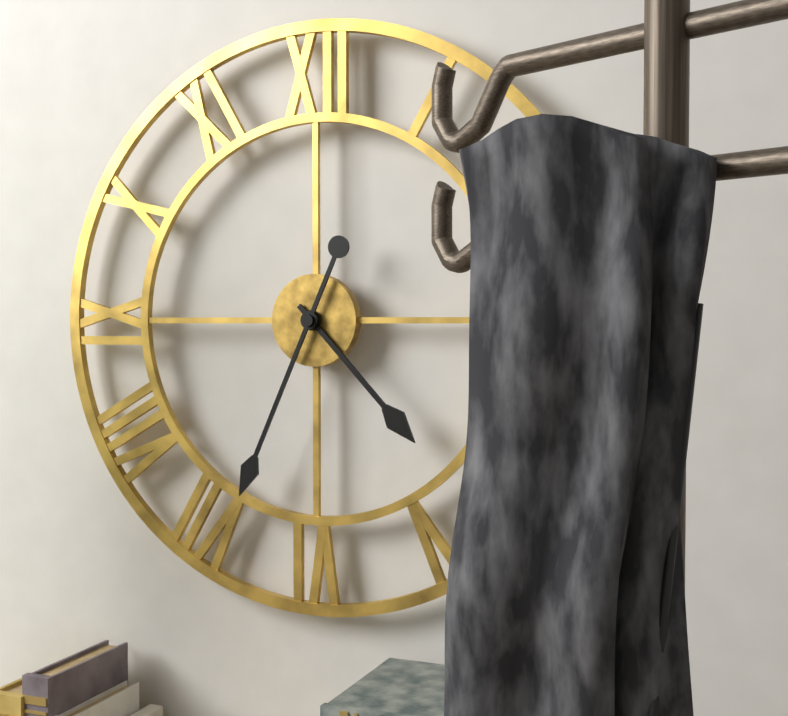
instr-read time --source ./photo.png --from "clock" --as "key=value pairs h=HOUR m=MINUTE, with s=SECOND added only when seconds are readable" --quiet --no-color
h=4 m=34
